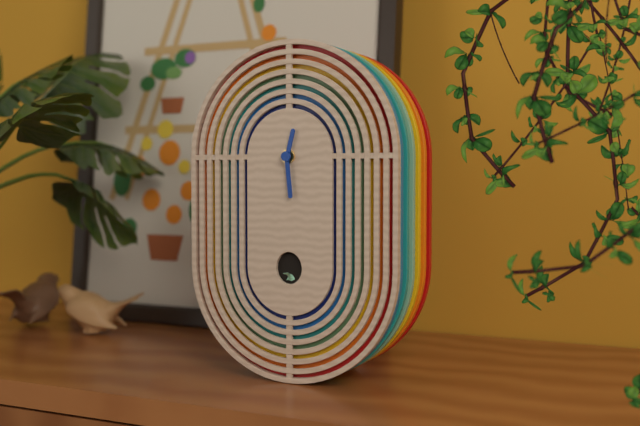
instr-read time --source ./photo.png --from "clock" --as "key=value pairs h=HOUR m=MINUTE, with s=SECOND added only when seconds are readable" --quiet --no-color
h=12 m=29
